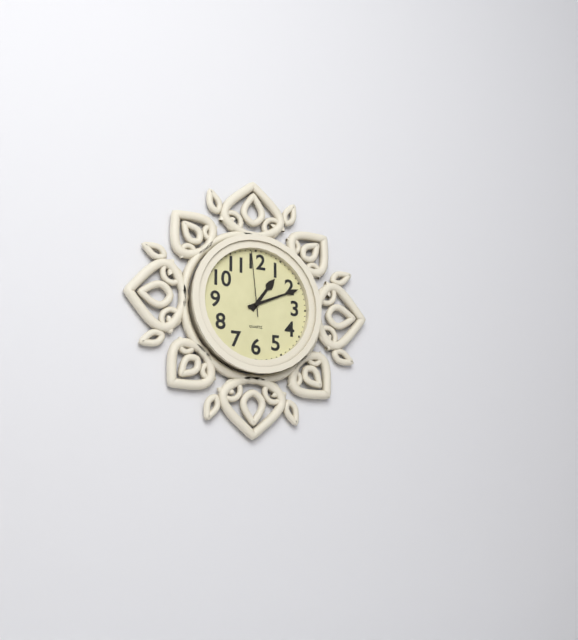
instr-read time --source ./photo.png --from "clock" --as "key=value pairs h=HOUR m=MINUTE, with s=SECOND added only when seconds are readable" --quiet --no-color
h=1 m=11 s=59
